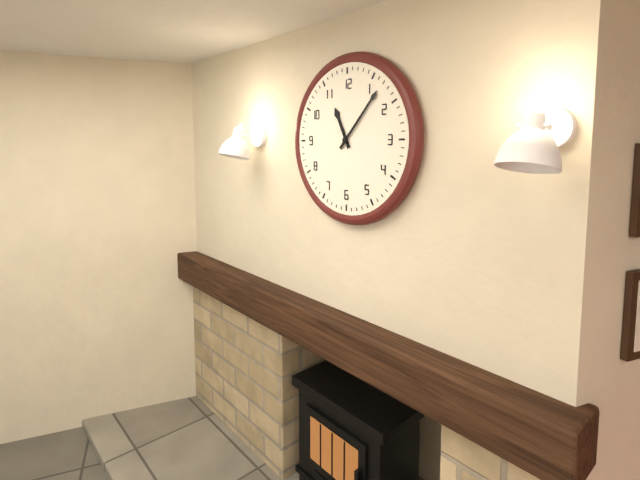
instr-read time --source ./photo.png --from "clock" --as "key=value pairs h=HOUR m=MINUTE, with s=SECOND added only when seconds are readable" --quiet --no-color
h=11 m=7
